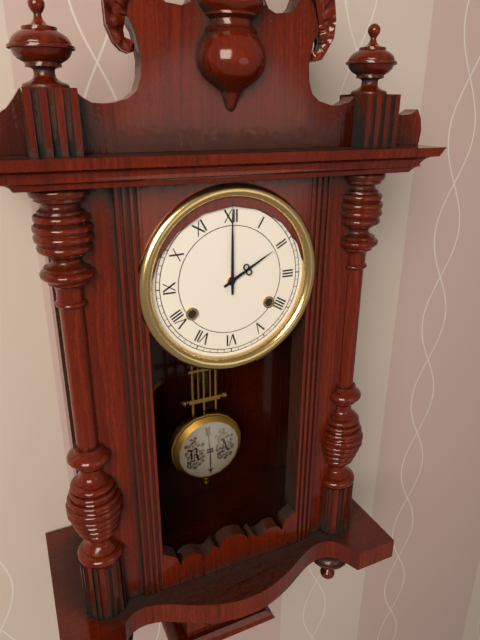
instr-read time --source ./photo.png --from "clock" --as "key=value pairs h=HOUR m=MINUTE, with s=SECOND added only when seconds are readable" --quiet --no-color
h=2 m=0
